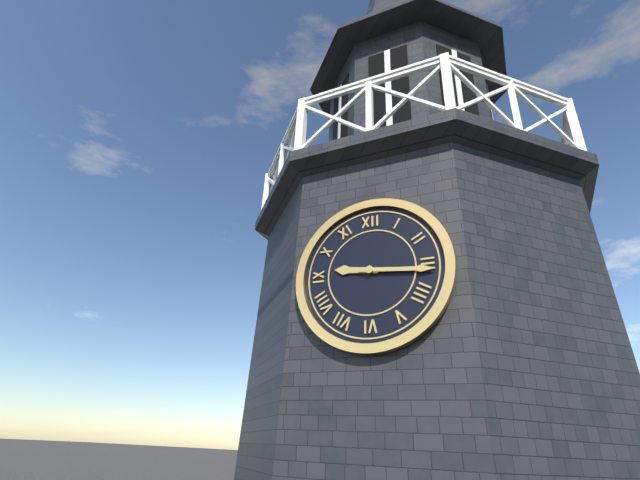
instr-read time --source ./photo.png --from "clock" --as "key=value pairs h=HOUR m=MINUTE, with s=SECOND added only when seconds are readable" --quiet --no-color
h=9 m=16
